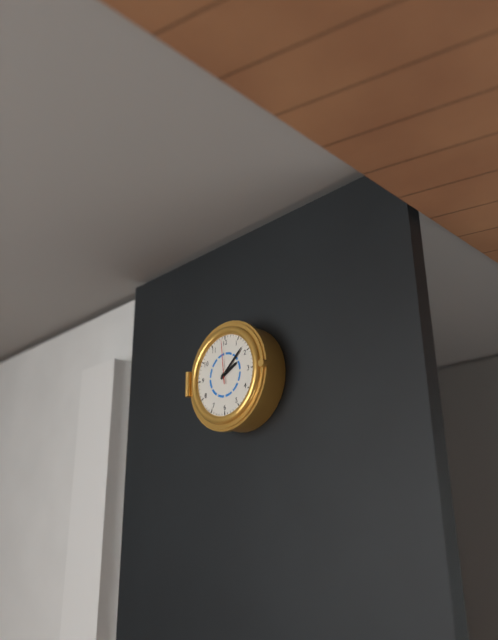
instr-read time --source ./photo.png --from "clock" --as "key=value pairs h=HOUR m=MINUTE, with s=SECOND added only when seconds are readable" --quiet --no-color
h=2 m=8
